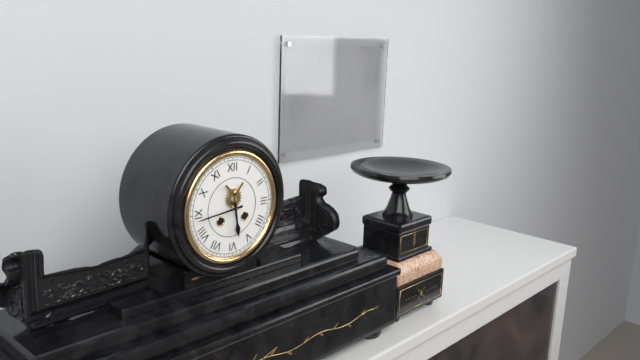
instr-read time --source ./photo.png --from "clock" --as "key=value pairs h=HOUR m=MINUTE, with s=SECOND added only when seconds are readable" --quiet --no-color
h=5 m=44
